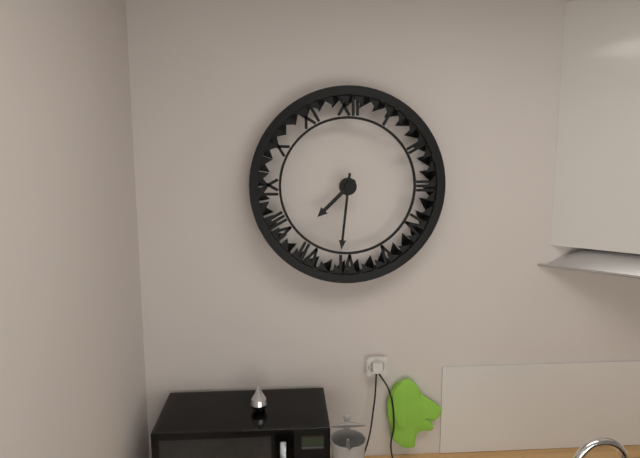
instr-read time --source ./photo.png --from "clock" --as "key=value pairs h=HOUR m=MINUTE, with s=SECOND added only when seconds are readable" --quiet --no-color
h=7 m=31
